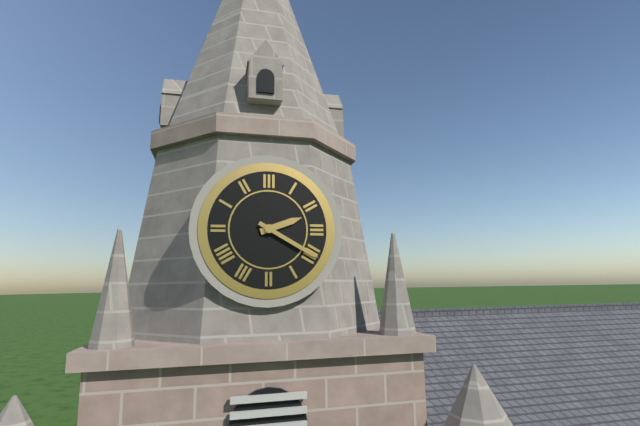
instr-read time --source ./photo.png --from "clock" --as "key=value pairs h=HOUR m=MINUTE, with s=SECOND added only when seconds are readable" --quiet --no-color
h=2 m=20
